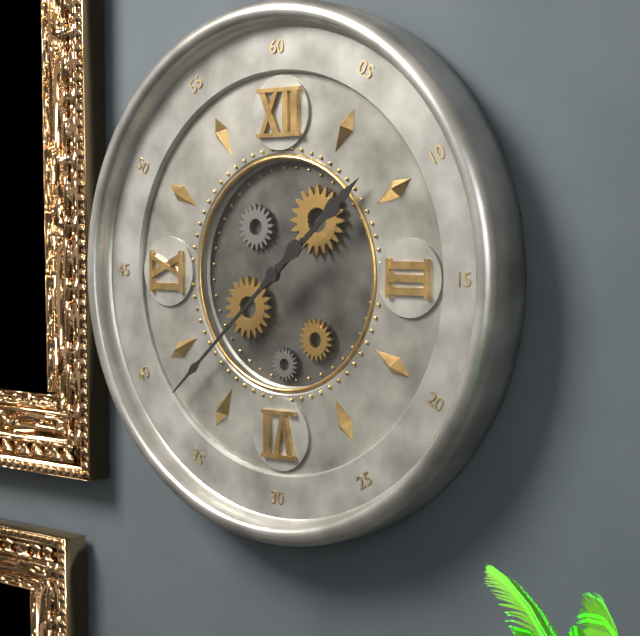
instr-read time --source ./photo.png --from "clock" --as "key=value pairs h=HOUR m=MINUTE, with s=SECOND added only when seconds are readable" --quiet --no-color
h=1 m=38
